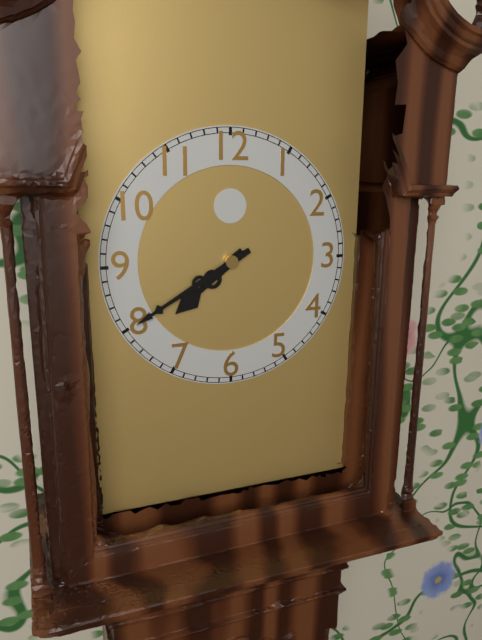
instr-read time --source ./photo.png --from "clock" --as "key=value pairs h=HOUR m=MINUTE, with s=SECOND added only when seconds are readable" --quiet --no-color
h=7 m=40
